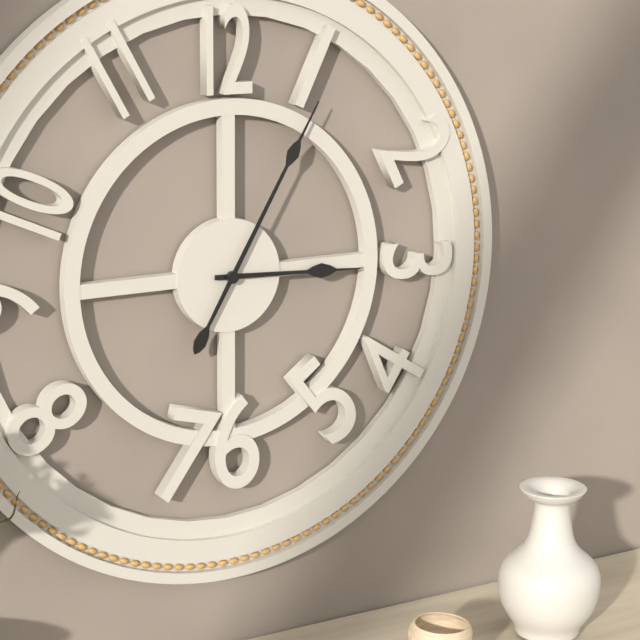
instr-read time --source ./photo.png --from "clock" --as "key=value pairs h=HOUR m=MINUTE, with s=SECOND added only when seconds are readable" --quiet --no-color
h=3 m=5
